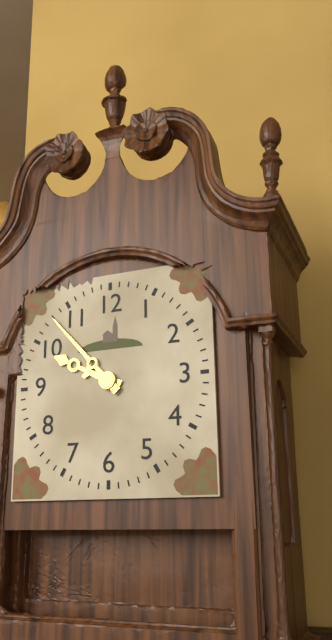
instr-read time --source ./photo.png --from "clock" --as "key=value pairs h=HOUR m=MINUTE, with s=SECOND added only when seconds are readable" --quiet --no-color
h=9 m=53
